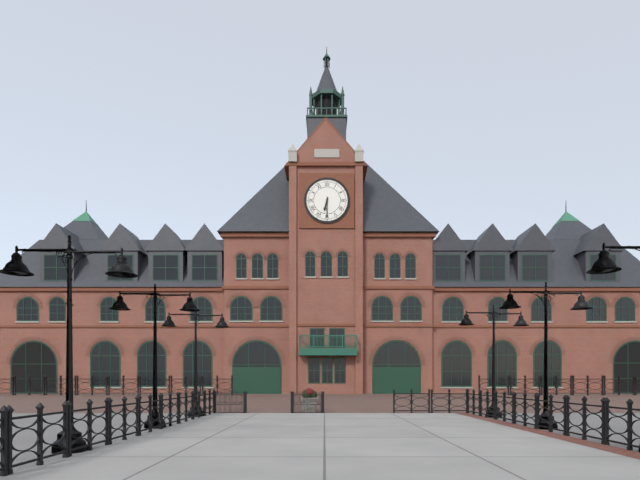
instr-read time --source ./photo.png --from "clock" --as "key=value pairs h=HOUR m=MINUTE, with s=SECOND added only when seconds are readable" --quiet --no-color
h=6 m=30
